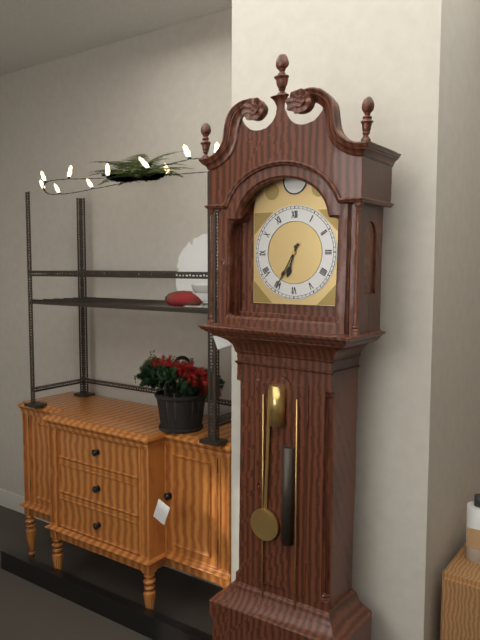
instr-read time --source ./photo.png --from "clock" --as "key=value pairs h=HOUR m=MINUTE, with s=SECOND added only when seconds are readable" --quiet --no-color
h=6 m=35
